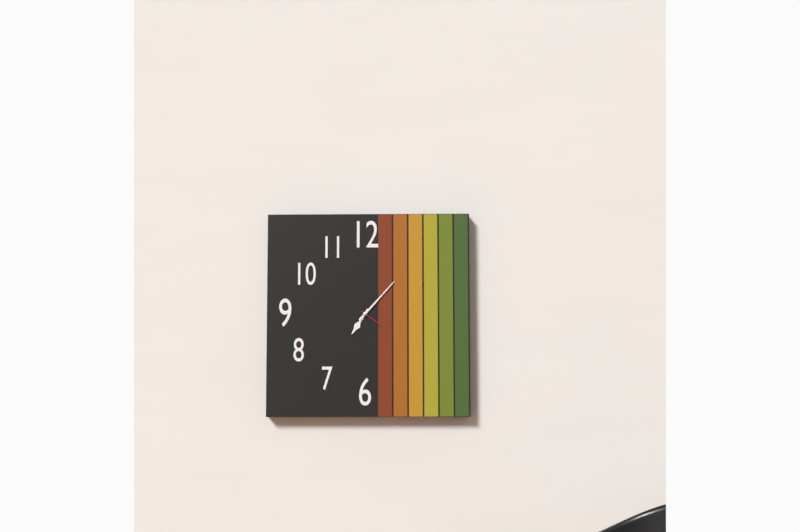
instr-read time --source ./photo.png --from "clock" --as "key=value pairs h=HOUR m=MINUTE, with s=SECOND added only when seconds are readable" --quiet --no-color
h=7 m=7
